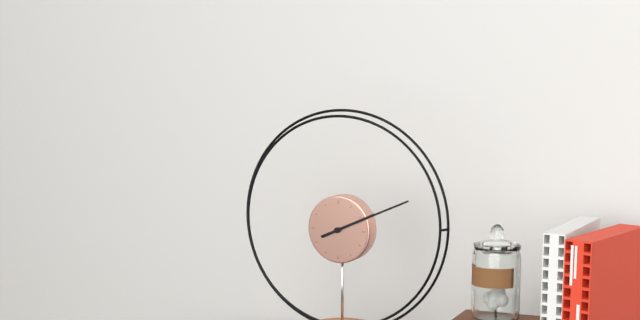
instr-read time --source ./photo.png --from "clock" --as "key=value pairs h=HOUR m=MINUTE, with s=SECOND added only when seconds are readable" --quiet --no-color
h=2 m=11
